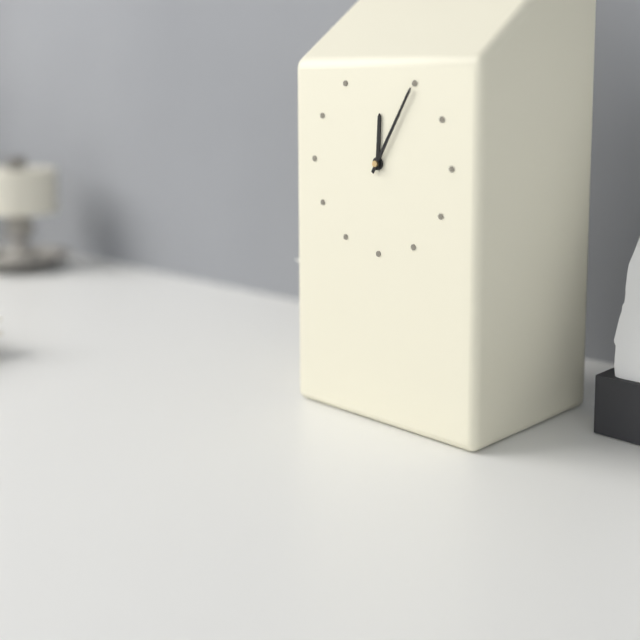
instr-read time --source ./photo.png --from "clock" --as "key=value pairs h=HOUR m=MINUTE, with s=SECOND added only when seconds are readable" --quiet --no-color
h=12 m=5
